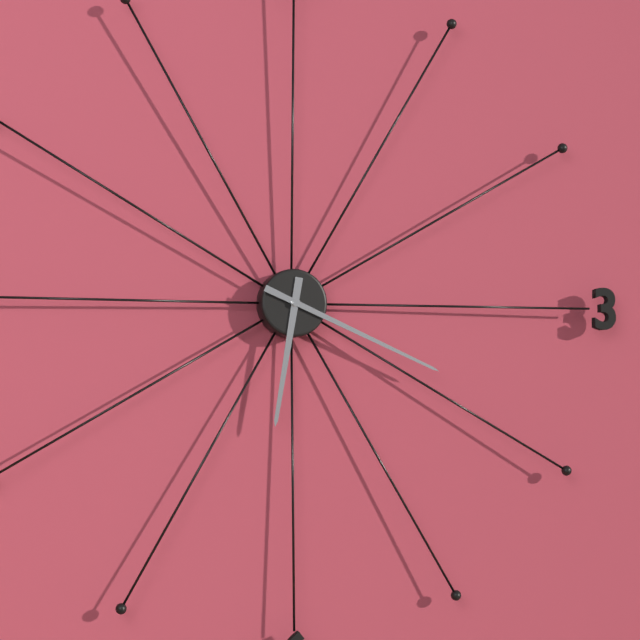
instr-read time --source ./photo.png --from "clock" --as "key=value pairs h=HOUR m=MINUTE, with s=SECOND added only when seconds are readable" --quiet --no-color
h=6 m=19
